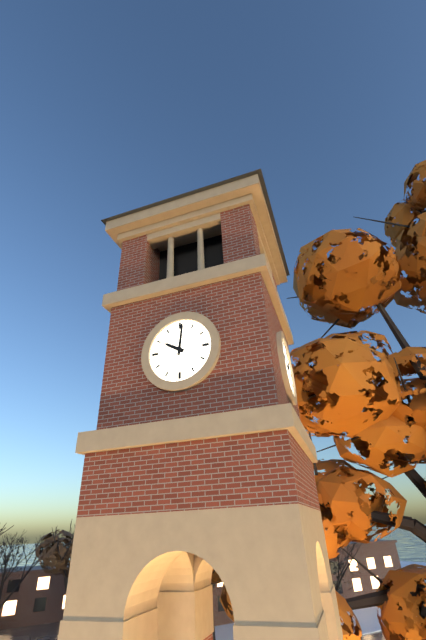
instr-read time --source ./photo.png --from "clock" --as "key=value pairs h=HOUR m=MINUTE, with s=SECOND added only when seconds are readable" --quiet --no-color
h=10 m=1
